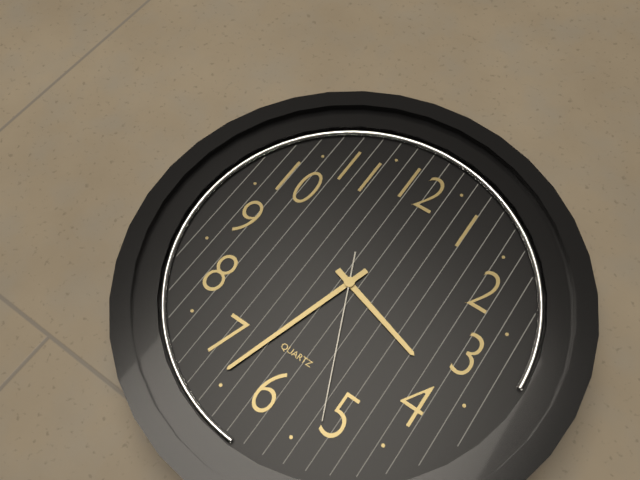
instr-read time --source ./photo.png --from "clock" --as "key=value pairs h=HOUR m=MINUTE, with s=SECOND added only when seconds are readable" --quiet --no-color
h=3 m=33 s=26
